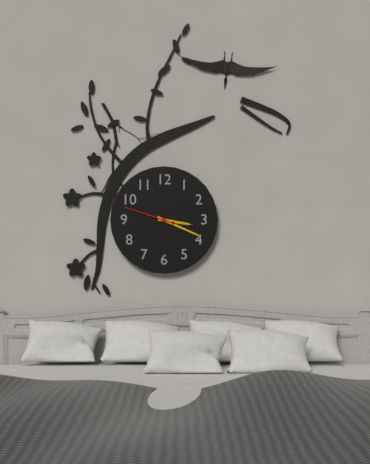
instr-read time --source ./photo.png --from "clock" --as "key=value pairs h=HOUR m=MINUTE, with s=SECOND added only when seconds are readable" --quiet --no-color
h=3 m=19 s=48
